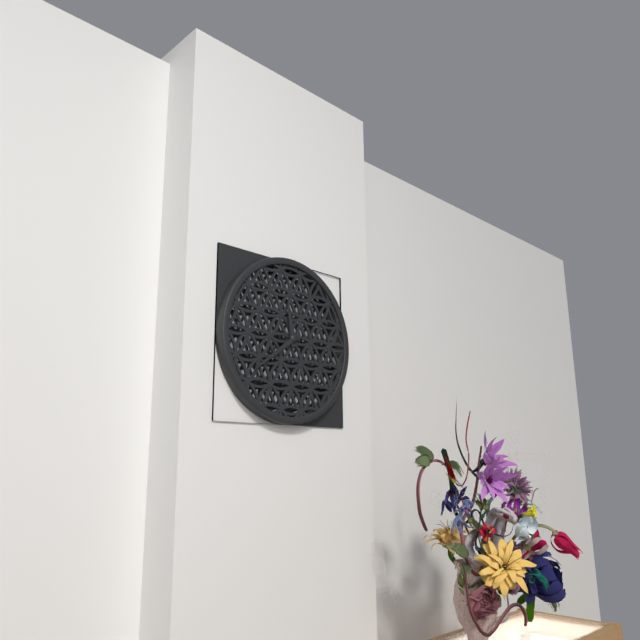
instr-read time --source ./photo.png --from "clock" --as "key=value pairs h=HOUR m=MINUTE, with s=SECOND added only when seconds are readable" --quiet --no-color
h=11 m=39
